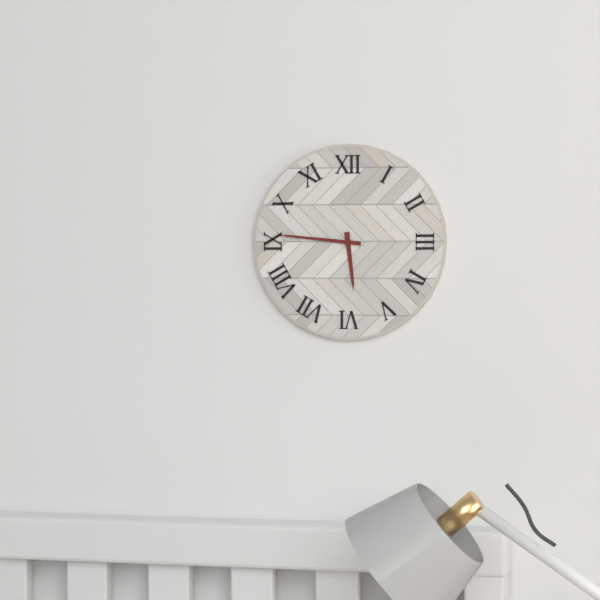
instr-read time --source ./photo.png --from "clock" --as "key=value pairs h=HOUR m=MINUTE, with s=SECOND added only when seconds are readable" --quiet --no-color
h=5 m=46
